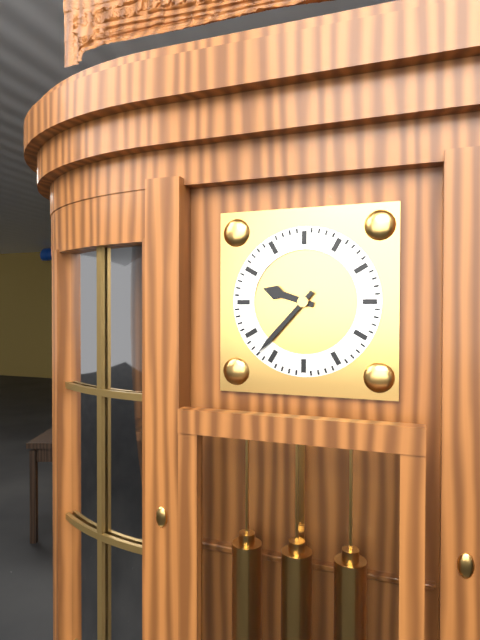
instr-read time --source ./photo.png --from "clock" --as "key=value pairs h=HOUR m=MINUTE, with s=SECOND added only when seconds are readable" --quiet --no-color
h=9 m=37
